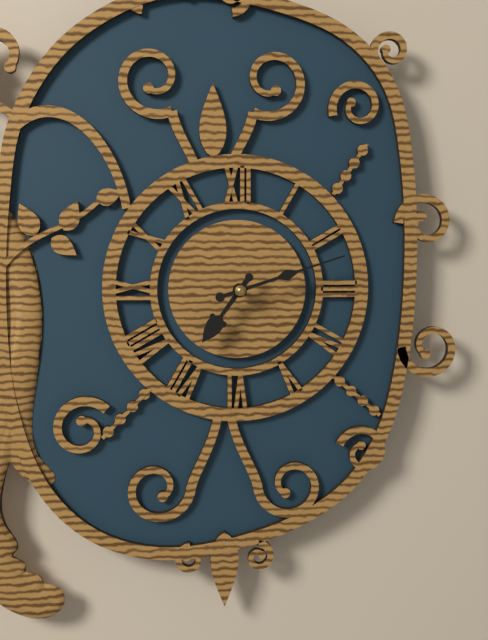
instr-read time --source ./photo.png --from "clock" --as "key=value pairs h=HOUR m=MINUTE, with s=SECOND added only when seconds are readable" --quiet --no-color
h=7 m=12
